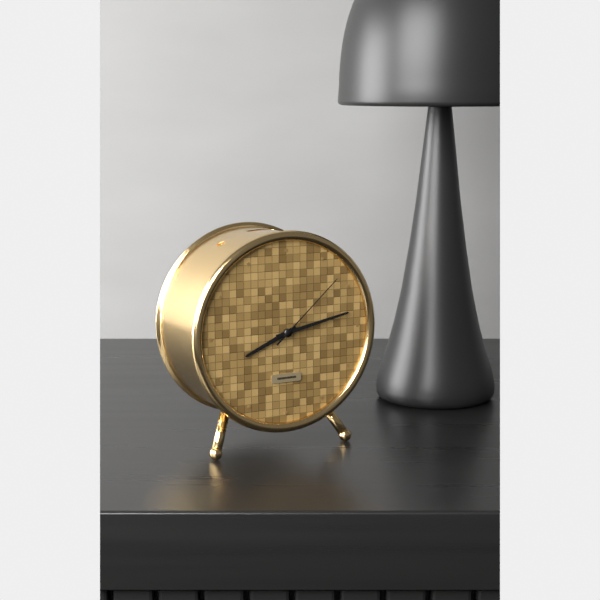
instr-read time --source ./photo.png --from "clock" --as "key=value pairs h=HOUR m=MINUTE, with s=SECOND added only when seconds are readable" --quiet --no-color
h=8 m=13 s=8
